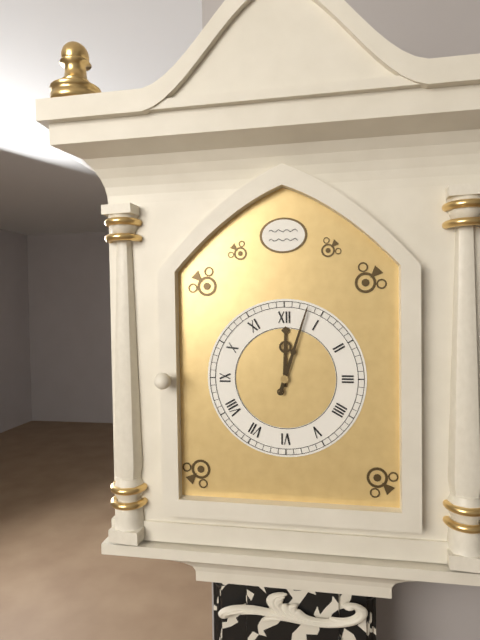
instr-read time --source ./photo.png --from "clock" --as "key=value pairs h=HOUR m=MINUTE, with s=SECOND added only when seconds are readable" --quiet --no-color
h=12 m=3
